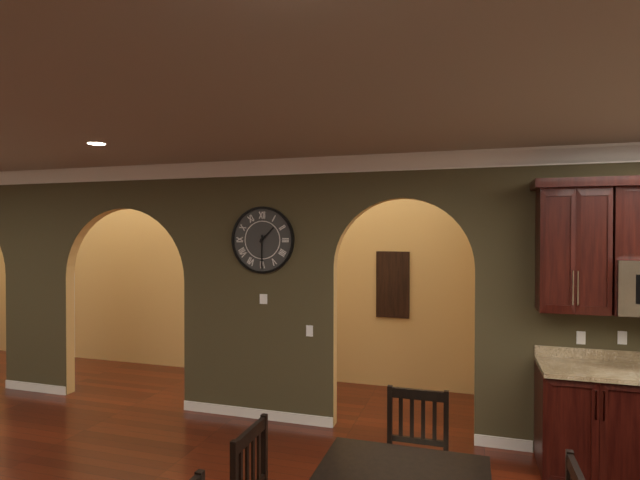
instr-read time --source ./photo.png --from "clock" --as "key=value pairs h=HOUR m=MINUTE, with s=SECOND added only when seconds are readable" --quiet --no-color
h=1 m=30
